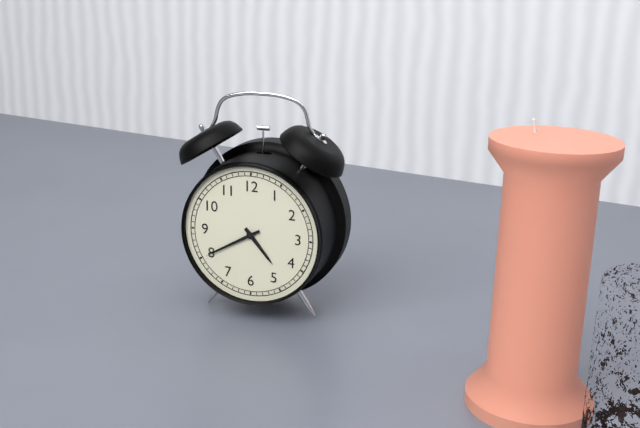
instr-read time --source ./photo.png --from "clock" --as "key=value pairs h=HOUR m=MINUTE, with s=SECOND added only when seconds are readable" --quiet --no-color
h=4 m=40
